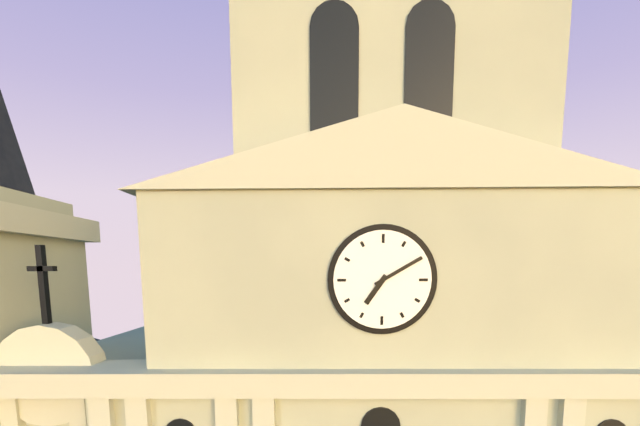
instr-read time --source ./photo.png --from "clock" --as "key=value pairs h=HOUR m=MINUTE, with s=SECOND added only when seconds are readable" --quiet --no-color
h=7 m=10
